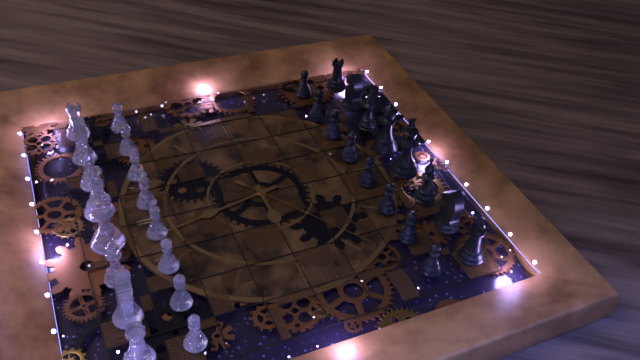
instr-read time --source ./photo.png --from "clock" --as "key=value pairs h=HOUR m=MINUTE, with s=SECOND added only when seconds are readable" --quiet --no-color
h=8 m=58 s=39
